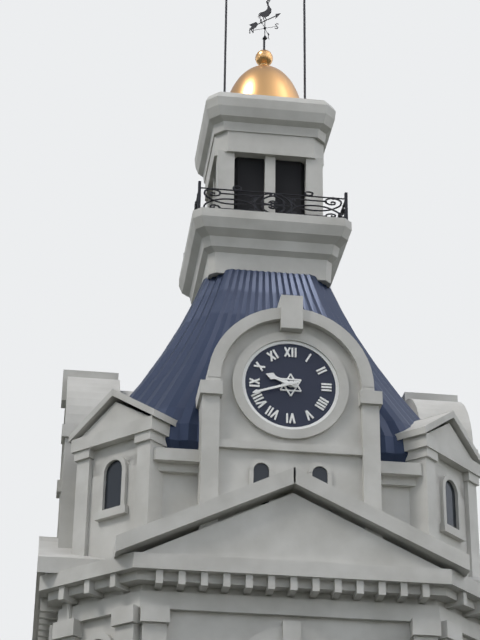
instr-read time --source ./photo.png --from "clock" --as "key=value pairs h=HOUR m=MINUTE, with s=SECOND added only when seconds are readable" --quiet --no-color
h=9 m=42
